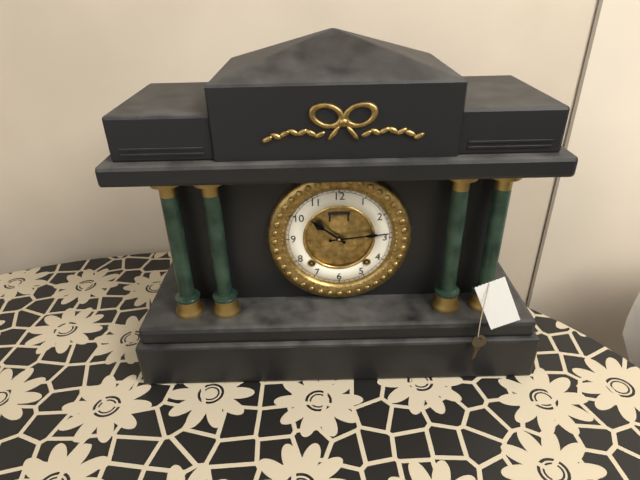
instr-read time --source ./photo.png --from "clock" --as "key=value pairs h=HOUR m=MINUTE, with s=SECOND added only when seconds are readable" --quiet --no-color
h=10 m=14
